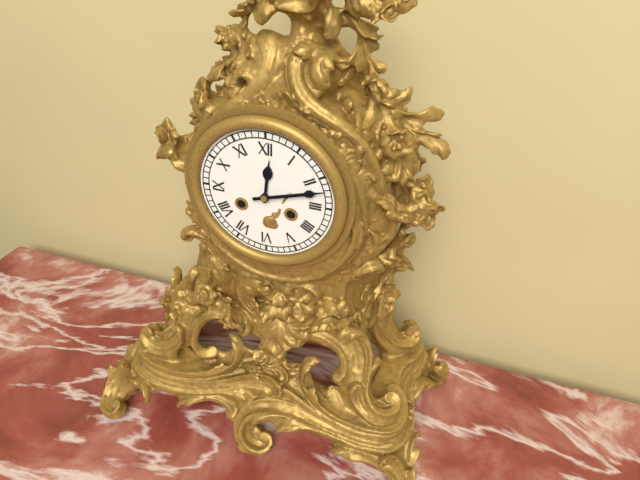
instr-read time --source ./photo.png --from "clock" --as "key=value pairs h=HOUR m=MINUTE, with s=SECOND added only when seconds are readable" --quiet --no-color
h=12 m=12
